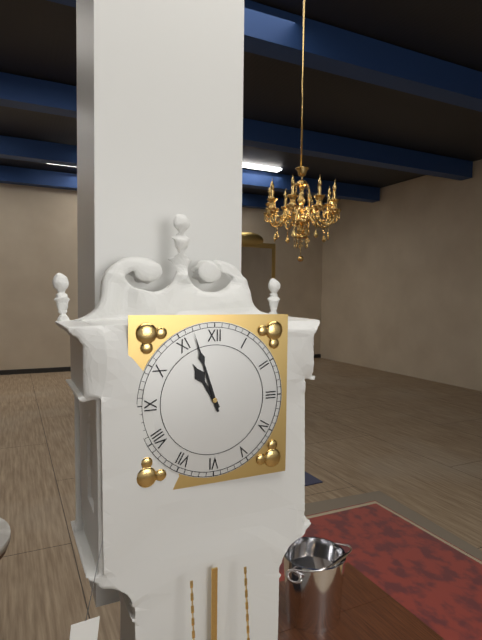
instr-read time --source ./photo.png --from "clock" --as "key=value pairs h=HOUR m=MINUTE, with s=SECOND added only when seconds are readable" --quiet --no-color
h=10 m=57
